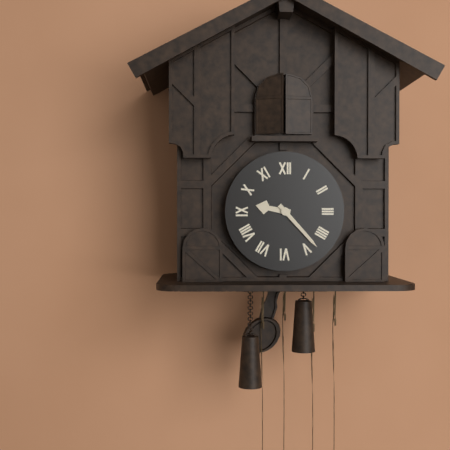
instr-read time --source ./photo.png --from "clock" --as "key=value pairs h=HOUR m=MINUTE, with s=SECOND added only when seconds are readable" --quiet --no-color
h=9 m=23
